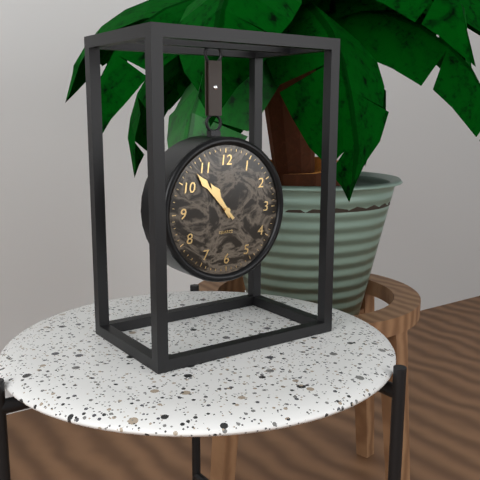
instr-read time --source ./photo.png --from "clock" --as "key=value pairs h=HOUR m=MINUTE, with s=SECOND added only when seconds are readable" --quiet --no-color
h=10 m=53
